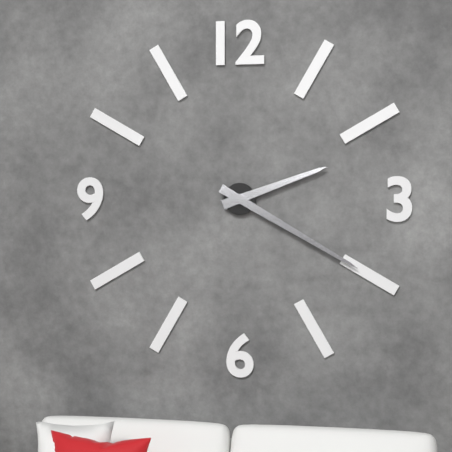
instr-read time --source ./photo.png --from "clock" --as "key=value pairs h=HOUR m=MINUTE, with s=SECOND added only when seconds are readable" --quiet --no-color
h=2 m=20
